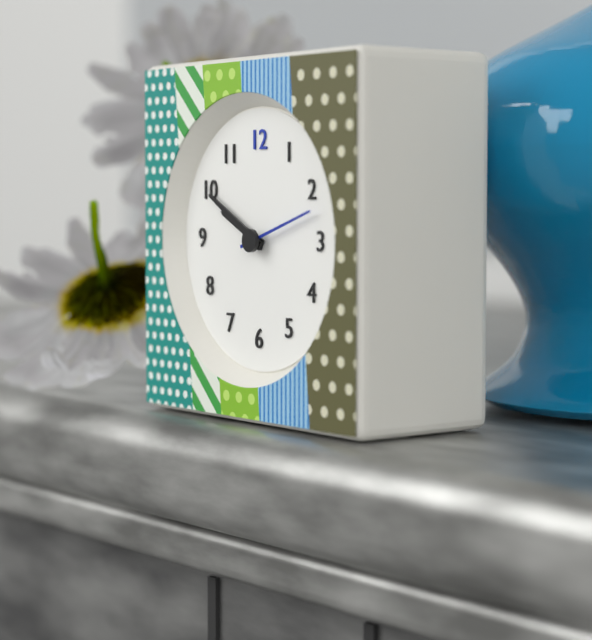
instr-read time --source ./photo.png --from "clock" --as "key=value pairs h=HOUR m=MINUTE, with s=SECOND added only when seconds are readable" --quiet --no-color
h=9 m=50 s=12
